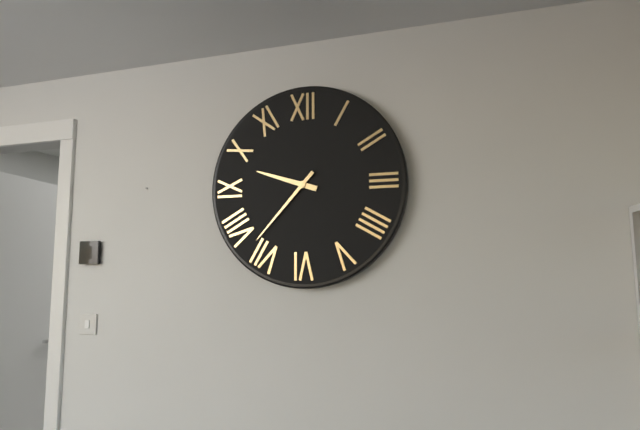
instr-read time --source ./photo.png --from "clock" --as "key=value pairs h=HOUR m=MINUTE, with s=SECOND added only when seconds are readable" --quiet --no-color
h=9 m=37
